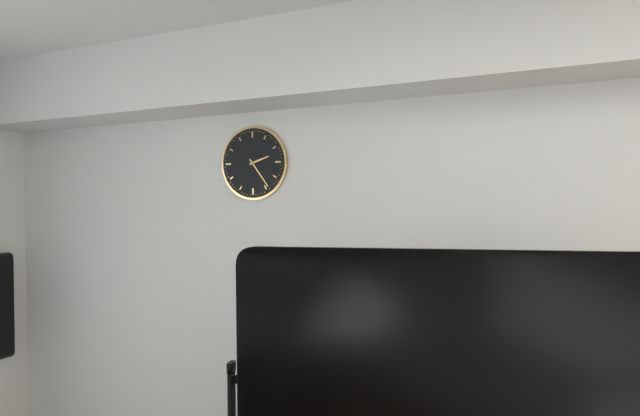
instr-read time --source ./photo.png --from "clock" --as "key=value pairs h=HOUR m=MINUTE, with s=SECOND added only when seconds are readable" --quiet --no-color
h=2 m=24
